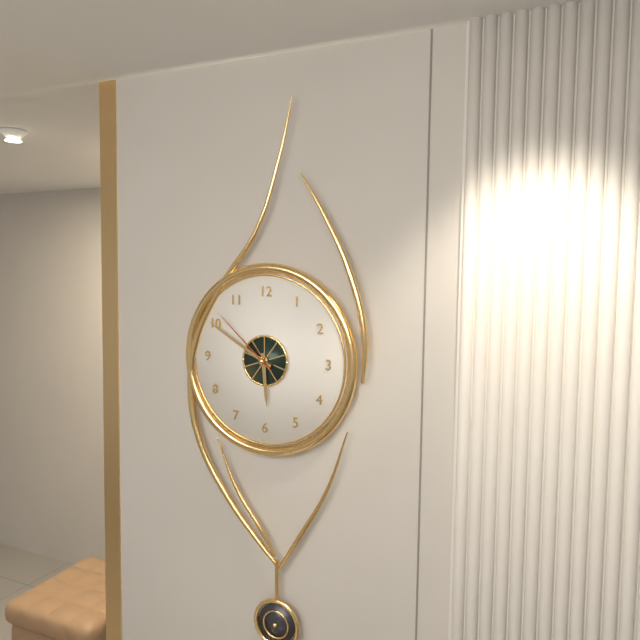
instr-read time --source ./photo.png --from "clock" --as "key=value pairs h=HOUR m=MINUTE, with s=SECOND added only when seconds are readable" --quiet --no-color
h=5 m=50 s=52
